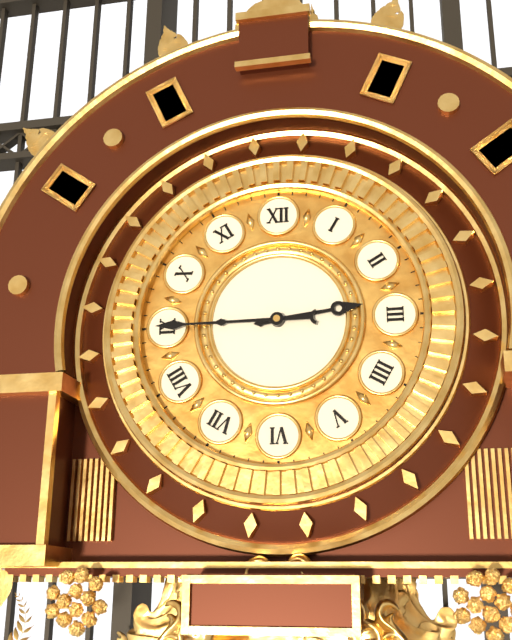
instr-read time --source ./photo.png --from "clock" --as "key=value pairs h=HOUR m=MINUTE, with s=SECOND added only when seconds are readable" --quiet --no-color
h=2 m=45
